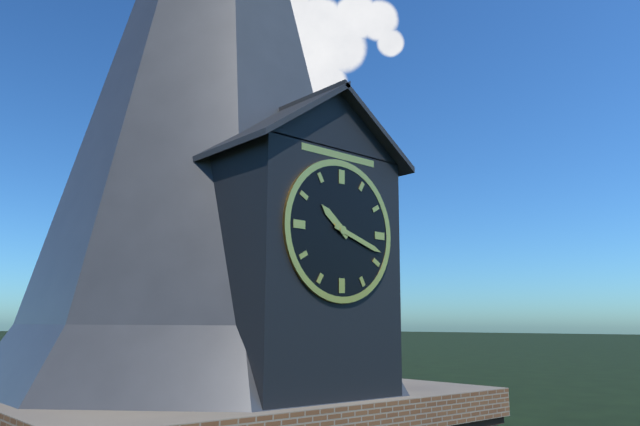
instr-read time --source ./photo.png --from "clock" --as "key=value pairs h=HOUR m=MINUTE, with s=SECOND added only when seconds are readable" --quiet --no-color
h=10 m=18
